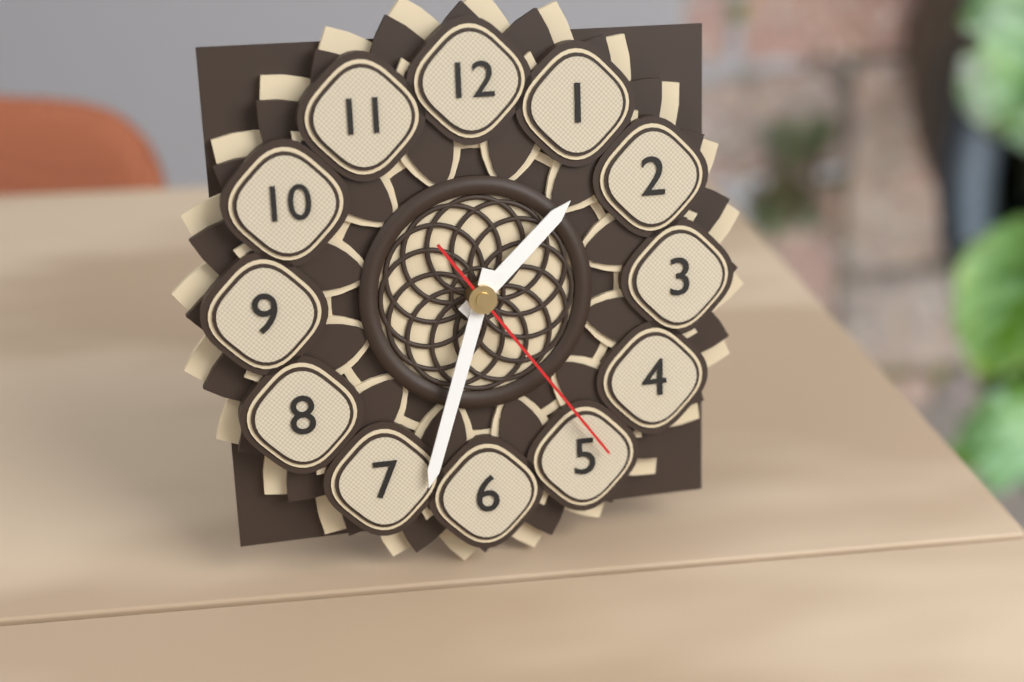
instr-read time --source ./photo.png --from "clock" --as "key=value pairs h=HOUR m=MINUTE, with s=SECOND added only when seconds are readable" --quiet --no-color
h=1 m=33 s=24
